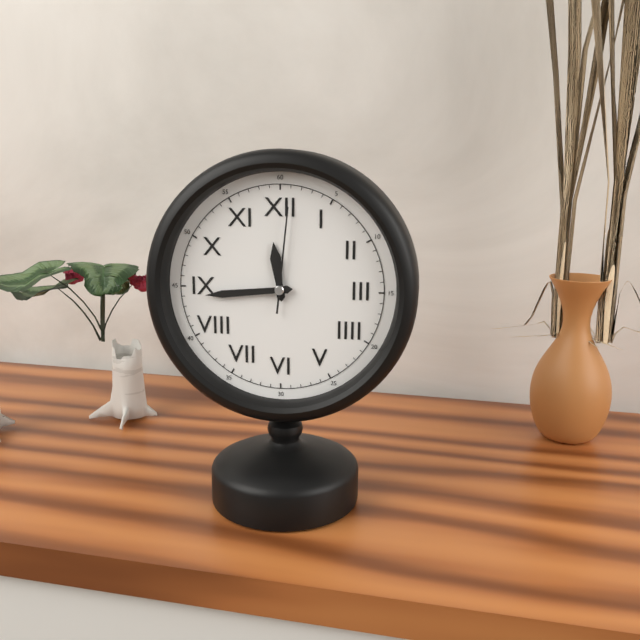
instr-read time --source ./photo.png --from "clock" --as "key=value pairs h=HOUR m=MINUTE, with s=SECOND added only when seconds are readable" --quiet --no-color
h=11 m=44 s=1
